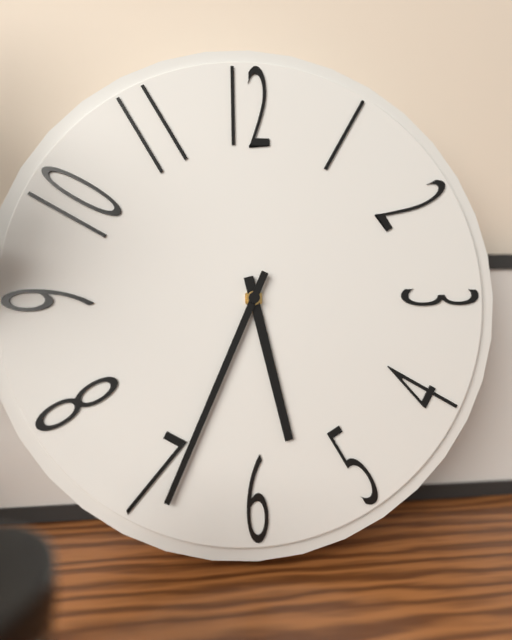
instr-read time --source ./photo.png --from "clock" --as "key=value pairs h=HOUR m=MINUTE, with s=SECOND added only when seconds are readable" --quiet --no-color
h=5 m=34
